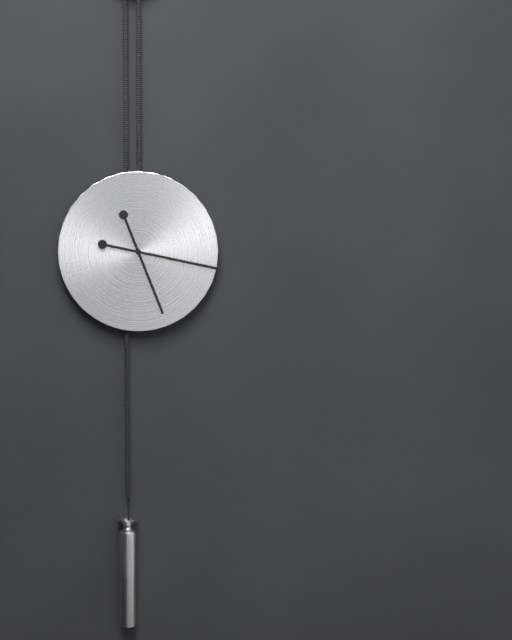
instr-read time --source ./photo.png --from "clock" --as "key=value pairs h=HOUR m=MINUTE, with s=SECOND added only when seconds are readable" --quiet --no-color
h=5 m=17
